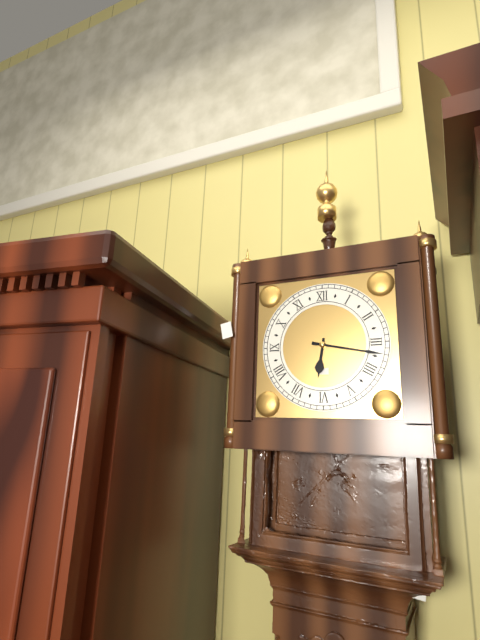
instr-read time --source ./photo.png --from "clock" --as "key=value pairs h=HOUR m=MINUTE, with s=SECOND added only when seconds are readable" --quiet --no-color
h=6 m=17
